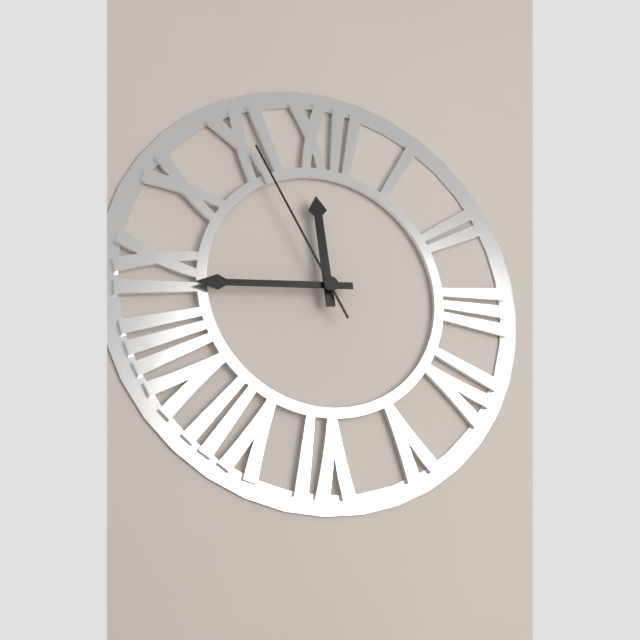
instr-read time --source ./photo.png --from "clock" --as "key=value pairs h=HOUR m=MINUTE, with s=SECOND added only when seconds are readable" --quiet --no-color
h=11 m=44 s=55
